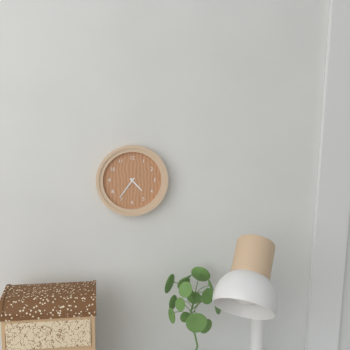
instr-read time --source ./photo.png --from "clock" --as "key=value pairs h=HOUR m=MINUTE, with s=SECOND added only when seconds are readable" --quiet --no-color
h=4 m=36
